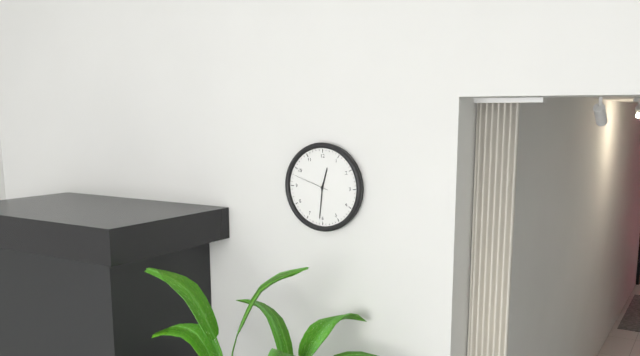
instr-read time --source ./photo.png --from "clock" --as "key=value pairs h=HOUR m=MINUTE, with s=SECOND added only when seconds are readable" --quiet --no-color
h=12 m=31
